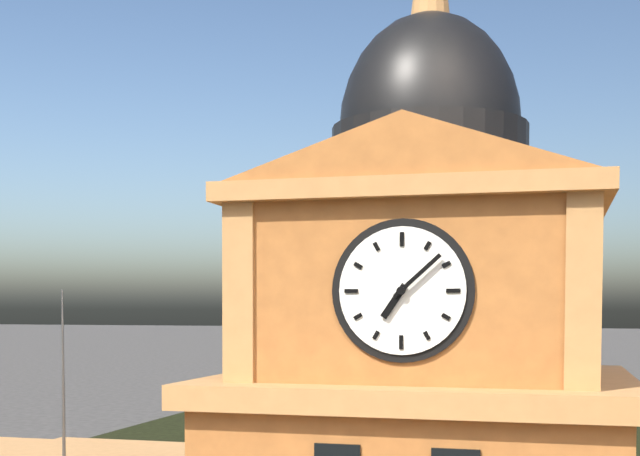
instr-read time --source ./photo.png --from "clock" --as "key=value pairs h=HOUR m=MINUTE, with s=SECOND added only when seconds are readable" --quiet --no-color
h=7 m=8
